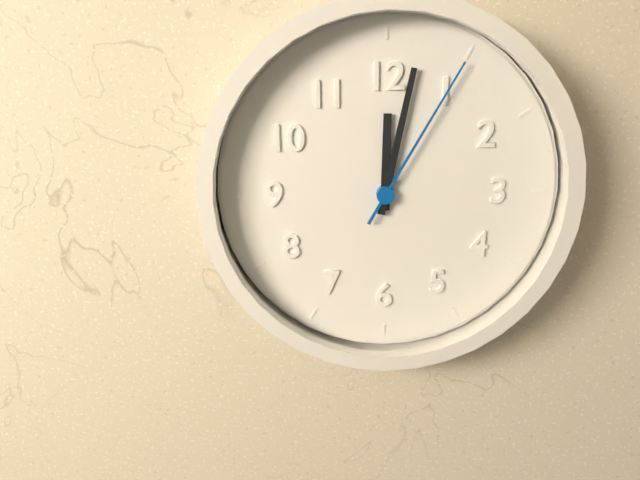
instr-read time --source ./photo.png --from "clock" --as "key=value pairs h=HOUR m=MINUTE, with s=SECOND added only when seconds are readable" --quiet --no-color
h=12 m=2 s=5
